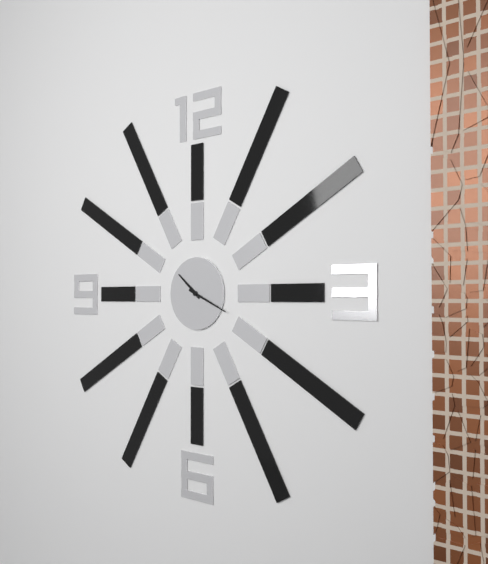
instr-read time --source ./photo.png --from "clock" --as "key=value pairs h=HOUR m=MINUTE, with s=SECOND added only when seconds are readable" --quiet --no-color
h=10 m=19
